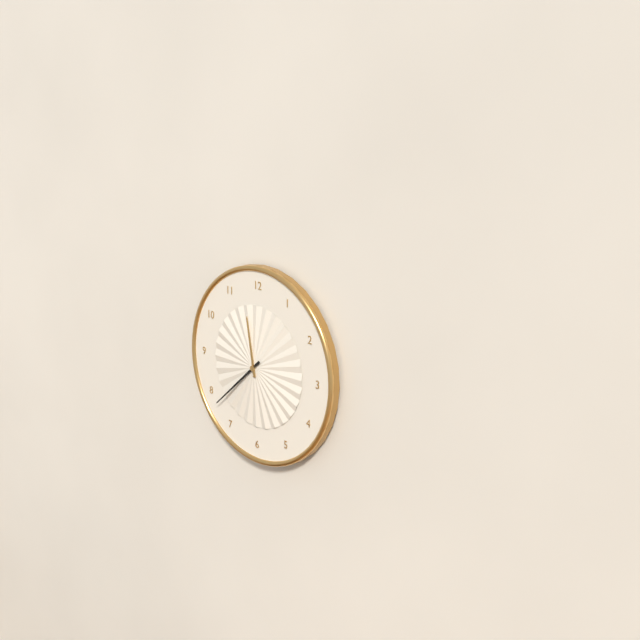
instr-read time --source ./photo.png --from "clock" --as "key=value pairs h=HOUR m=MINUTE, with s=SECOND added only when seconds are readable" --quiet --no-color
h=11 m=38
